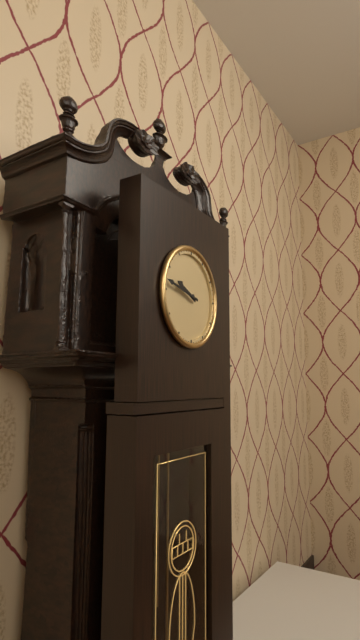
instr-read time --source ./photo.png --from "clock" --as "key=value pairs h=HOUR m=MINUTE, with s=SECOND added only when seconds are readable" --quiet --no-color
h=9 m=47
